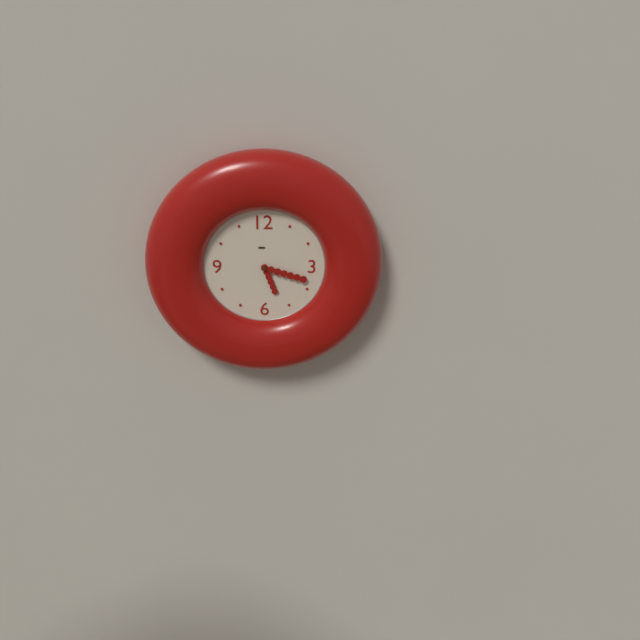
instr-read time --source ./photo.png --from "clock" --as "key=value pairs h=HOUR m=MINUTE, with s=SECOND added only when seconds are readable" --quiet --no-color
h=5 m=18
